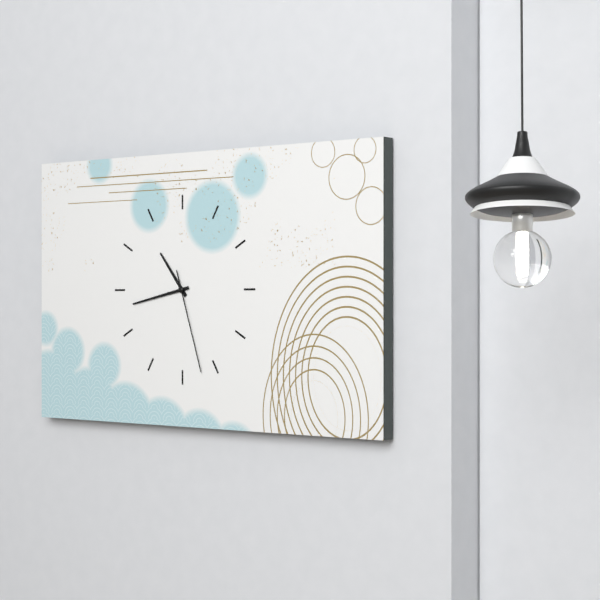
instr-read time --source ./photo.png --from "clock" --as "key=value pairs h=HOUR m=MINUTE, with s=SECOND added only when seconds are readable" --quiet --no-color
h=10 m=43 s=27
